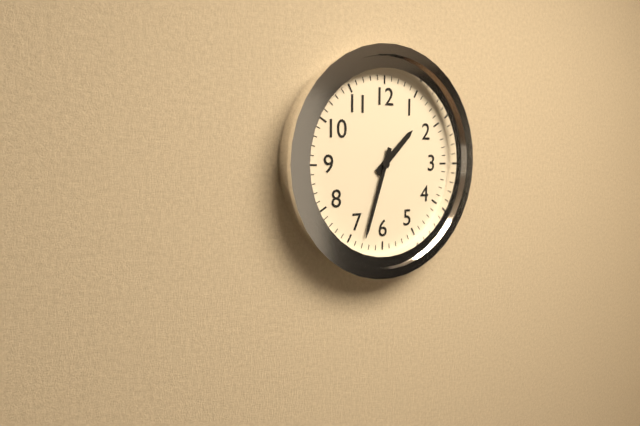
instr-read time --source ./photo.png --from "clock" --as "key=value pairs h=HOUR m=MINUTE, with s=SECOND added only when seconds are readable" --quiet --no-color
h=1 m=33
